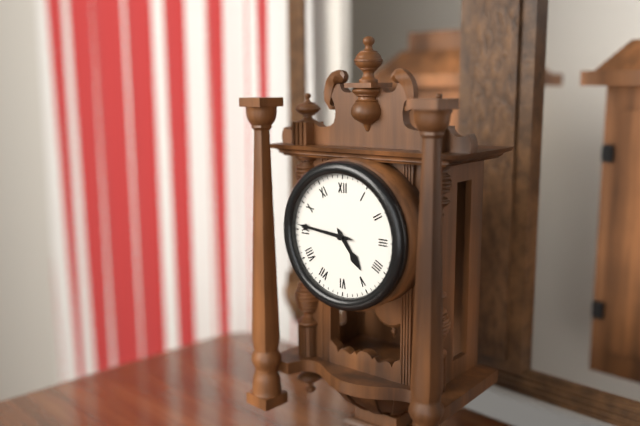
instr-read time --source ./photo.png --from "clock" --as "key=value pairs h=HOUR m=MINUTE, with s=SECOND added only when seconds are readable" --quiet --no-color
h=4 m=46
